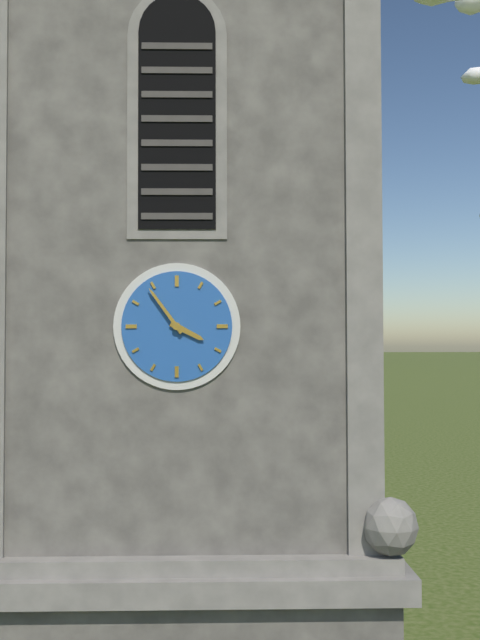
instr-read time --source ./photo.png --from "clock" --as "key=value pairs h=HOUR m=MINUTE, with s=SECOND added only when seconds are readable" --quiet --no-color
h=3 m=54
